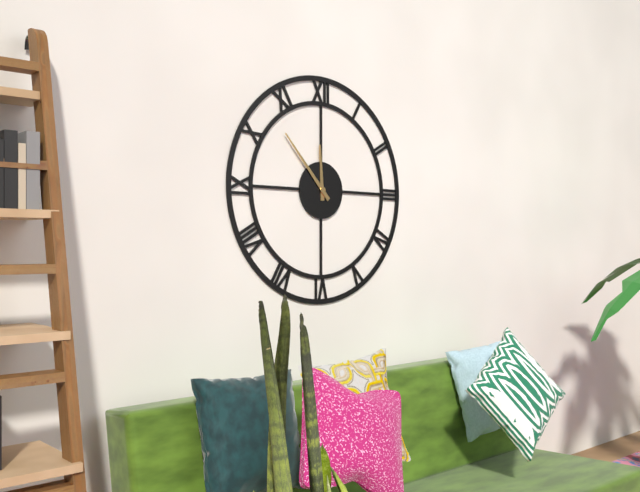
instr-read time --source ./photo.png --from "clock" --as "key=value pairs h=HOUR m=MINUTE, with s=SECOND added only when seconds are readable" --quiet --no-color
h=11 m=53
